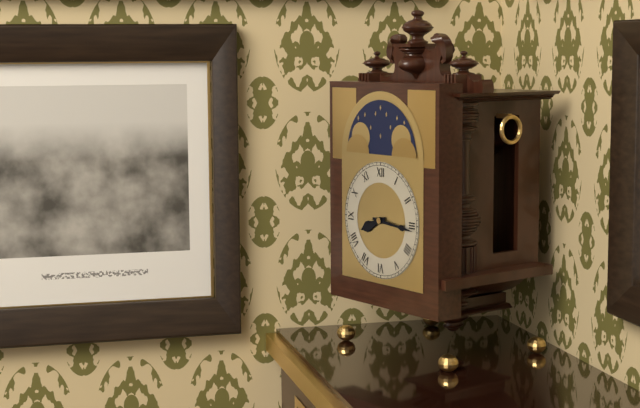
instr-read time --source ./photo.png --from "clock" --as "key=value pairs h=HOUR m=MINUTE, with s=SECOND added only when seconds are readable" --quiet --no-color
h=8 m=16
